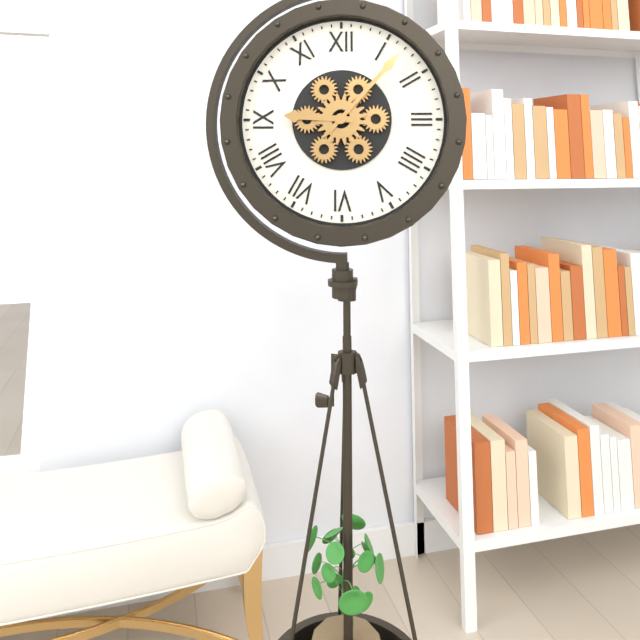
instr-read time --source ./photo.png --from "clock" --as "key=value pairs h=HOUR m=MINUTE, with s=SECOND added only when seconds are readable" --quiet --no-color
h=9 m=7
